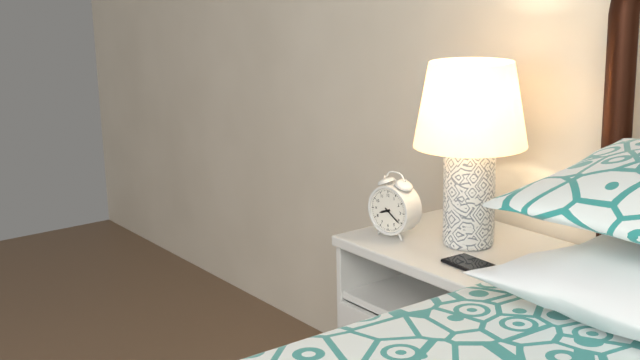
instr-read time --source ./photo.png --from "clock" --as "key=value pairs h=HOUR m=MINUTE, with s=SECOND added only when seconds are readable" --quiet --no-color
h=8 m=21
